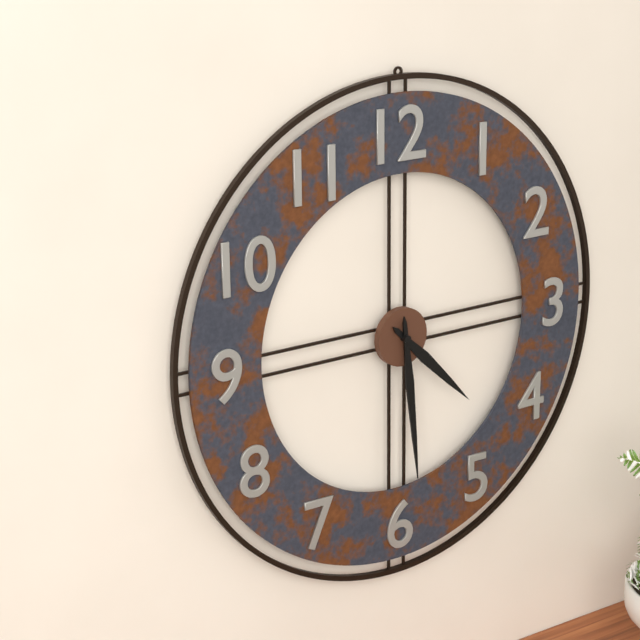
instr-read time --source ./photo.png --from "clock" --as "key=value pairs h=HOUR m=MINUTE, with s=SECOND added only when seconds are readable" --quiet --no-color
h=4 m=29
